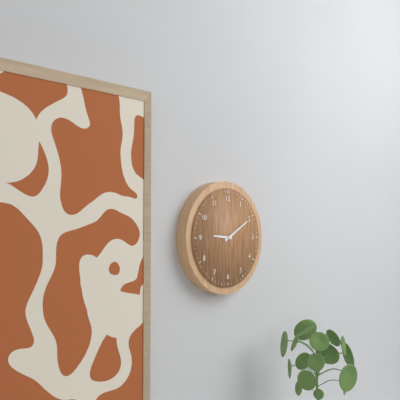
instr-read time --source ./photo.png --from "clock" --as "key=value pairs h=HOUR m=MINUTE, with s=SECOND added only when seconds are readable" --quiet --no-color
h=9 m=10
